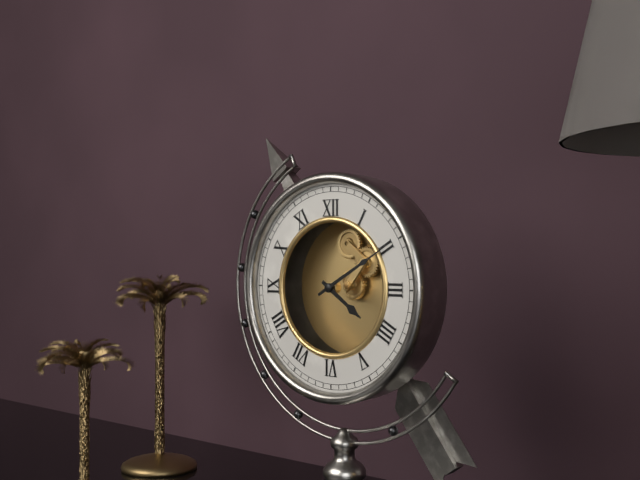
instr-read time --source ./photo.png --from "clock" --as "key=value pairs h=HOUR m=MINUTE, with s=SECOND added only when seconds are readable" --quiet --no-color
h=4 m=10
